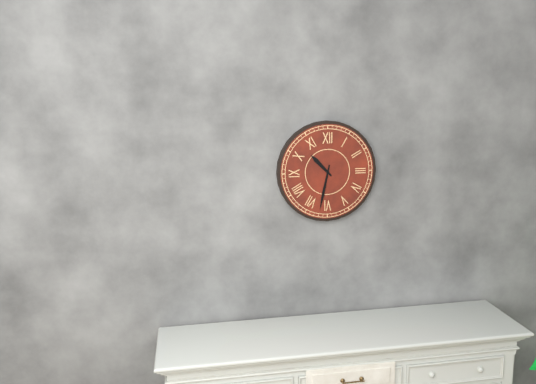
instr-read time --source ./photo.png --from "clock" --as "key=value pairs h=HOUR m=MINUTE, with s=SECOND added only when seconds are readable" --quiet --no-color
h=10 m=32
